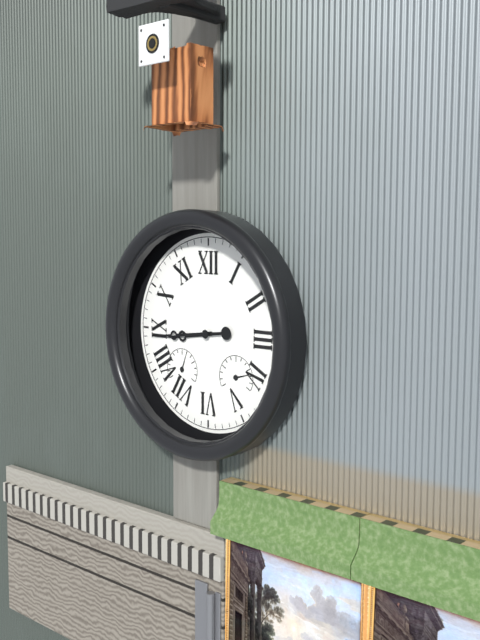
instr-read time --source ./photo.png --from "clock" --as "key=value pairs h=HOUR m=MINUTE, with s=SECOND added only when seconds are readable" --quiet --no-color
h=8 m=44
